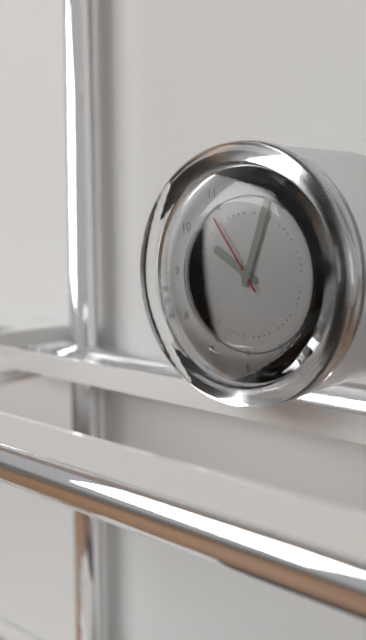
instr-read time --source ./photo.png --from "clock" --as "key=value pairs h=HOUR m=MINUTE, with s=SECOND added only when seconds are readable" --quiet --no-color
h=10 m=3 s=54
